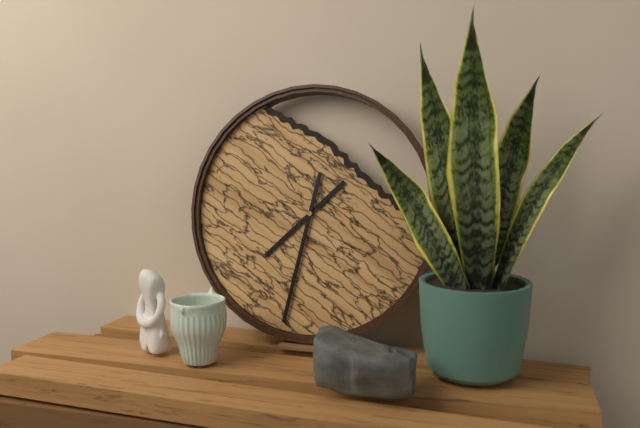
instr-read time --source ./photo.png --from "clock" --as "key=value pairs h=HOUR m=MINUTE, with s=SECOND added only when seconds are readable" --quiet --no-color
h=7 m=32
